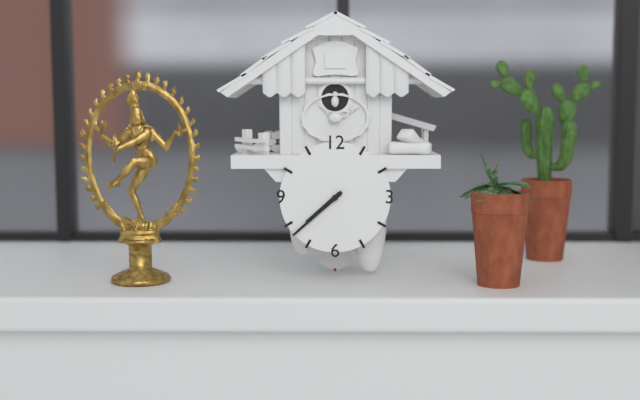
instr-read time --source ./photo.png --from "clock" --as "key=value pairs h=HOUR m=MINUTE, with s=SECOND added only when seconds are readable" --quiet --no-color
h=7 m=38
